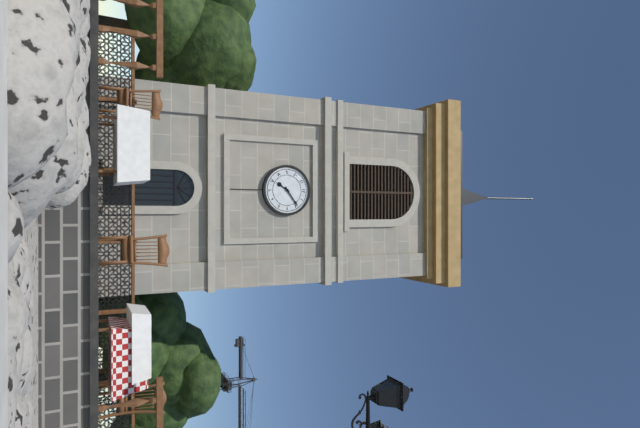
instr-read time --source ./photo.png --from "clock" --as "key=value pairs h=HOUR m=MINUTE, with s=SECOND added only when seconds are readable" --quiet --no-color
h=7 m=9
